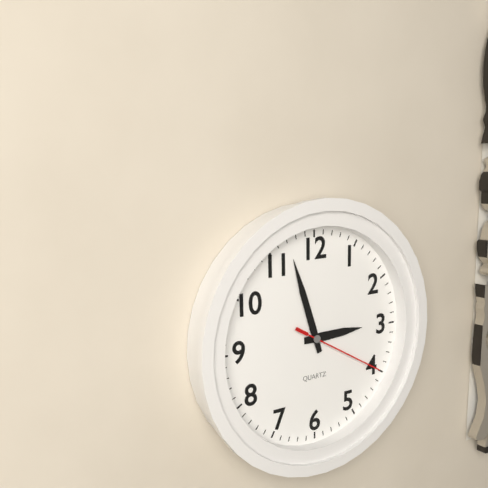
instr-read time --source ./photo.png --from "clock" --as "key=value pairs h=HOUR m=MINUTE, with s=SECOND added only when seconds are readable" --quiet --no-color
h=2 m=57 s=20
